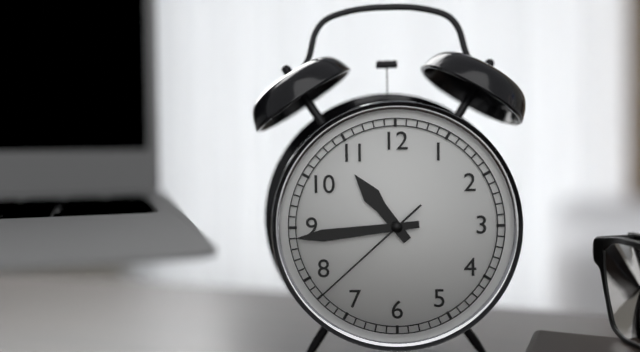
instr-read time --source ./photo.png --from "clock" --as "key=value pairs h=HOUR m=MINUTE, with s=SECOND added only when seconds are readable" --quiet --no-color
h=10 m=44 s=38
